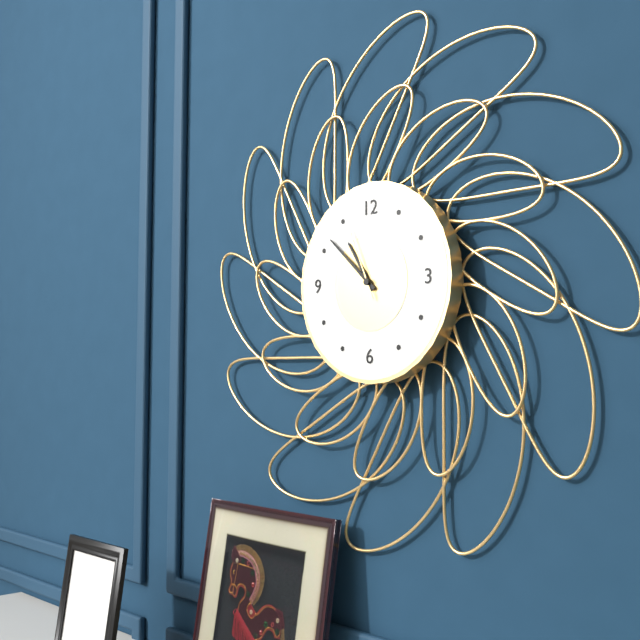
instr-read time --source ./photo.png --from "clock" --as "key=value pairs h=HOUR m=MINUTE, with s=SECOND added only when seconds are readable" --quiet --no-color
h=10 m=52 s=56
